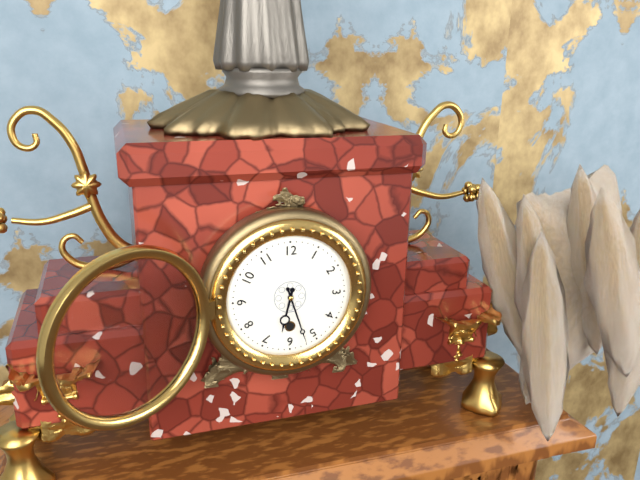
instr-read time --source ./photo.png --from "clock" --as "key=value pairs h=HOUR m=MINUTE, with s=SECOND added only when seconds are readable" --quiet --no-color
h=6 m=27
